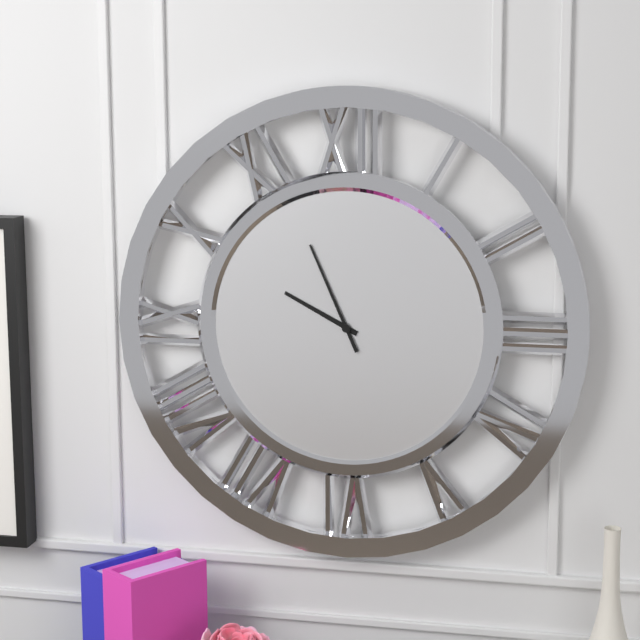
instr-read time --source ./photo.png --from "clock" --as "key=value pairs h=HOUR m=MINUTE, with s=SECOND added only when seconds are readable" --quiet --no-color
h=9 m=56
